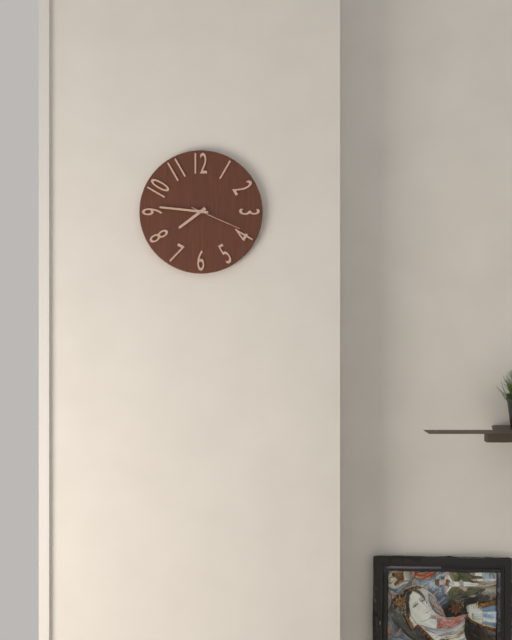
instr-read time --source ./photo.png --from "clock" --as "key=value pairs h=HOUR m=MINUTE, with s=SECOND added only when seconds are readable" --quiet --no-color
h=7 m=46 s=19
